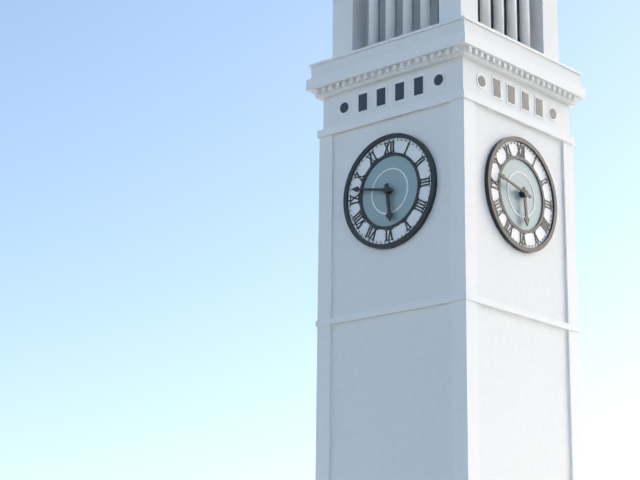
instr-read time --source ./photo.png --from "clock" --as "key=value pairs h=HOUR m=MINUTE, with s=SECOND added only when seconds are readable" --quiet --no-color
h=5 m=47
